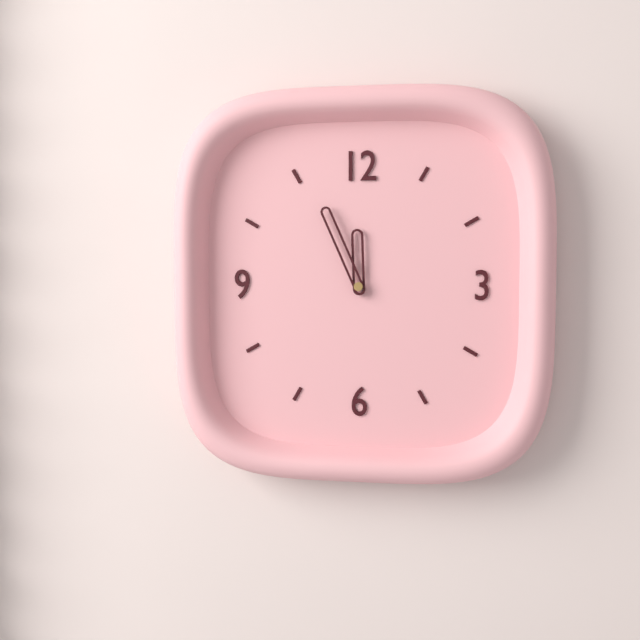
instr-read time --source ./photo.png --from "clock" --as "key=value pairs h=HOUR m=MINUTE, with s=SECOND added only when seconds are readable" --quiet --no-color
h=11 m=56
